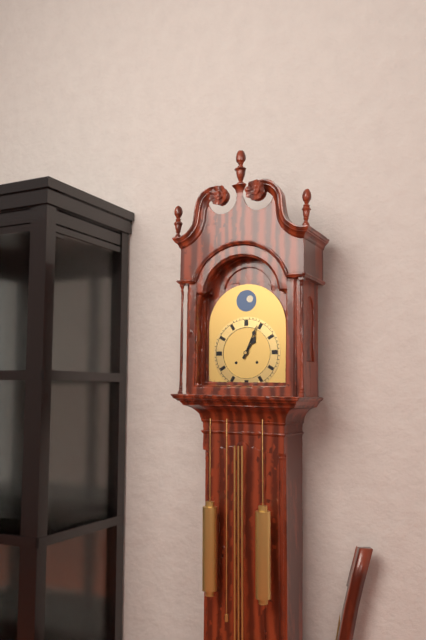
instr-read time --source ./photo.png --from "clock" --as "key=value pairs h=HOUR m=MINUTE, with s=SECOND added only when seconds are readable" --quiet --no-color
h=1 m=4
